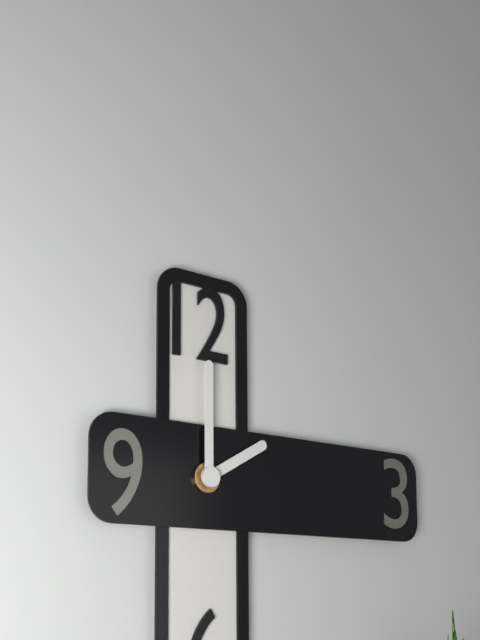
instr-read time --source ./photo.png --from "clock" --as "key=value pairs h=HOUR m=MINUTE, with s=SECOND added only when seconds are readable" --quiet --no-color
h=2 m=0
